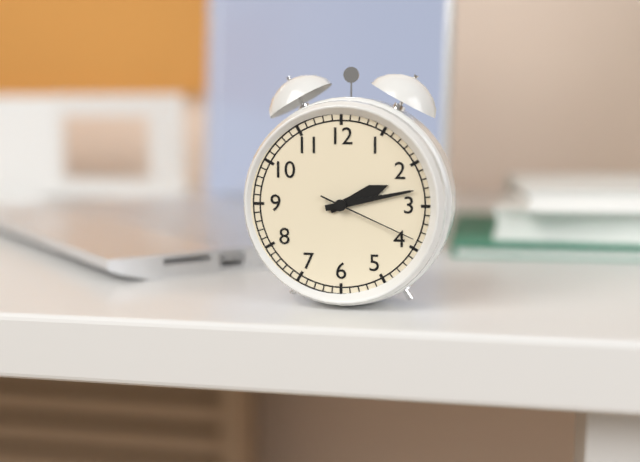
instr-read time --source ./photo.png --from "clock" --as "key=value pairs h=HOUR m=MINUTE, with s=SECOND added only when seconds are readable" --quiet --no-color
h=2 m=13 s=19
